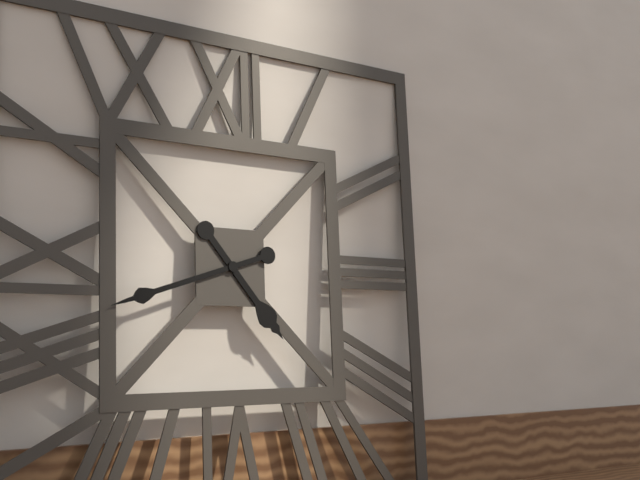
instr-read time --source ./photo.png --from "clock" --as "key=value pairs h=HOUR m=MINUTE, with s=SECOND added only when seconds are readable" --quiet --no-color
h=4 m=42
